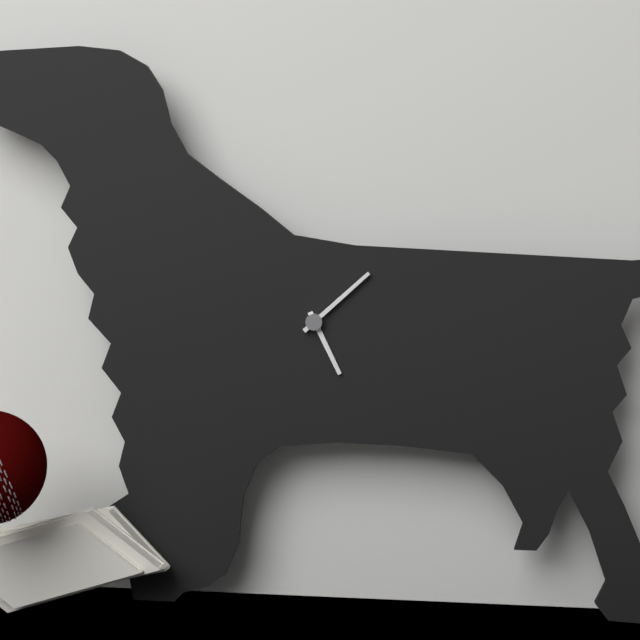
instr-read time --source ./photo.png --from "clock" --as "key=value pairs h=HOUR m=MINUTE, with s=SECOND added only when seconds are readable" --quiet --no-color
h=5 m=8
